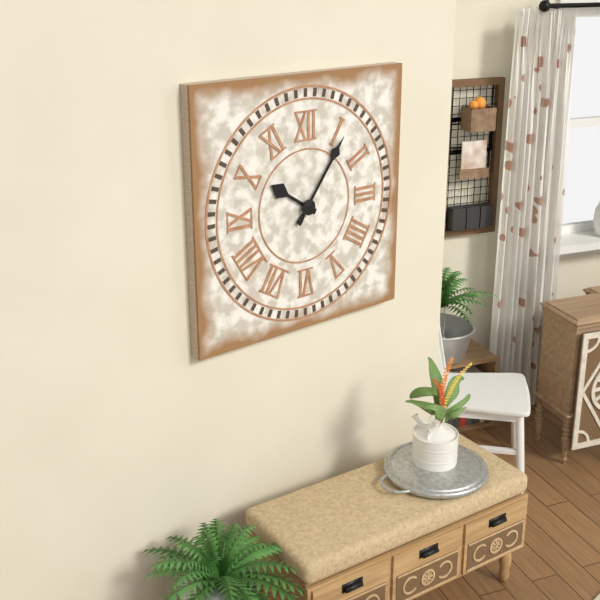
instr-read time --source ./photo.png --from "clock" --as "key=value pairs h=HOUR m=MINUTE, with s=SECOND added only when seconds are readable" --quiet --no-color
h=10 m=6
